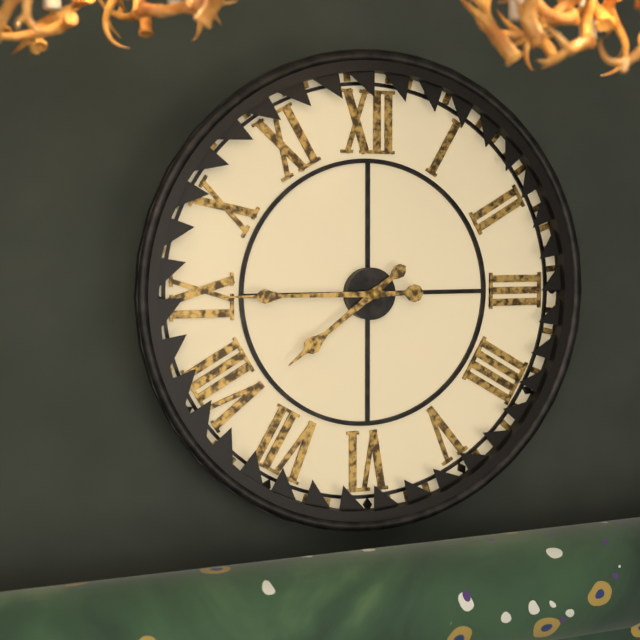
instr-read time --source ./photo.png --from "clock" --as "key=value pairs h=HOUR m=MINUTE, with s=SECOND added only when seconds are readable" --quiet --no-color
h=7 m=45
